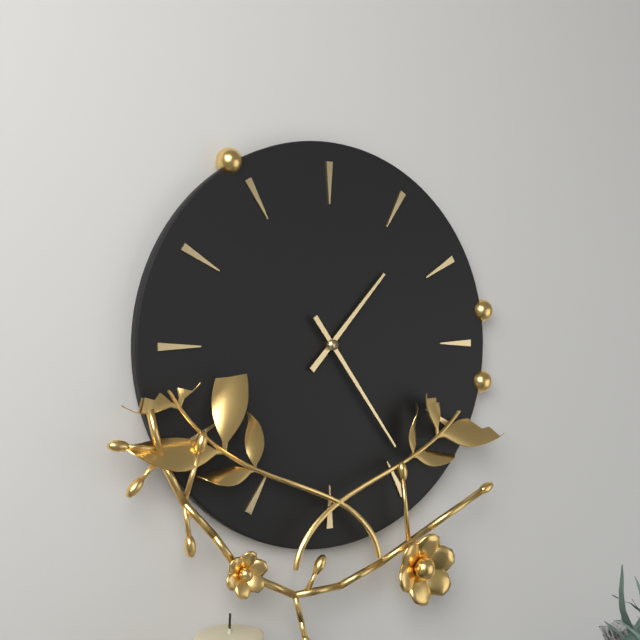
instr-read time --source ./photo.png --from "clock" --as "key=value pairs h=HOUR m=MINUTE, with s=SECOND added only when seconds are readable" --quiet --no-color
h=1 m=24
